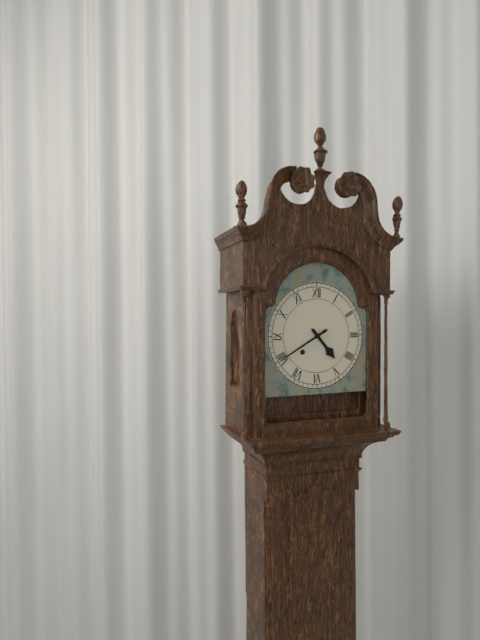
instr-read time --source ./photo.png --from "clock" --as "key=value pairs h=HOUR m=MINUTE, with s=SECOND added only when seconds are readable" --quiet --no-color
h=4 m=40
